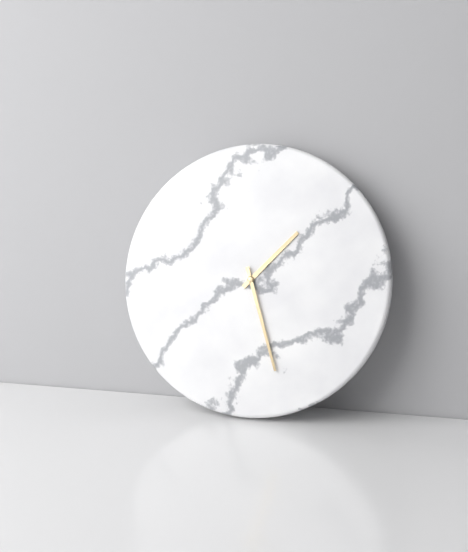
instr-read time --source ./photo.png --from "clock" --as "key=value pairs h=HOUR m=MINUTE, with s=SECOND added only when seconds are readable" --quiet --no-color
h=1 m=27
